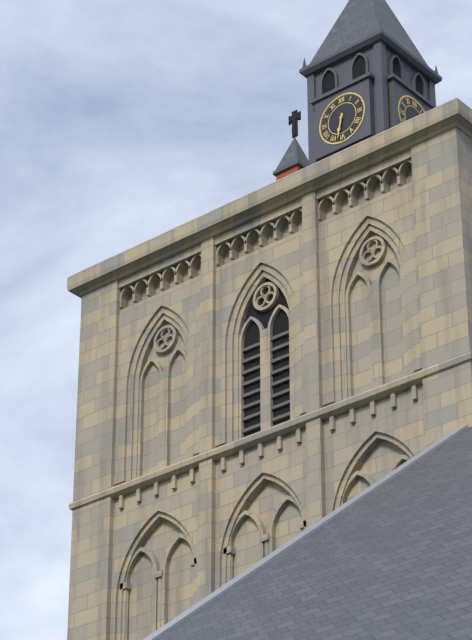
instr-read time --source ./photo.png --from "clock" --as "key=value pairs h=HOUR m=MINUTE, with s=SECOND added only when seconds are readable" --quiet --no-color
h=6 m=32
